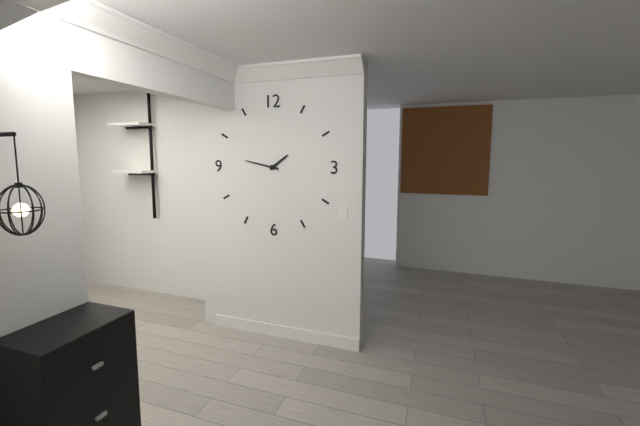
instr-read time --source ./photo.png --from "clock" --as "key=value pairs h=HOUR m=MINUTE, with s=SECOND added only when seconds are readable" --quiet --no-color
h=1 m=47
